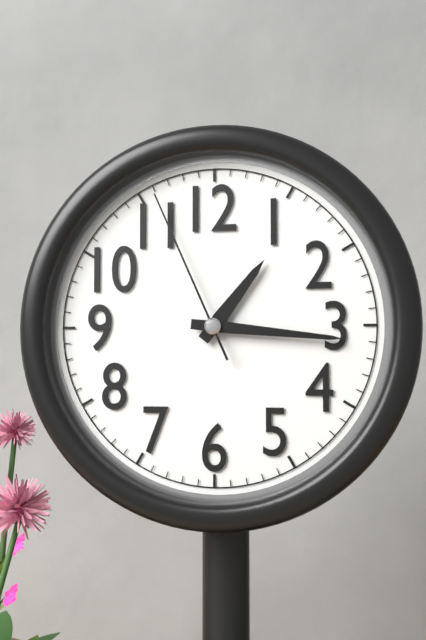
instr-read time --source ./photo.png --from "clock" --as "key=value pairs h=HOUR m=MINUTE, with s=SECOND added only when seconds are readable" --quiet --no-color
h=1 m=16 s=56
